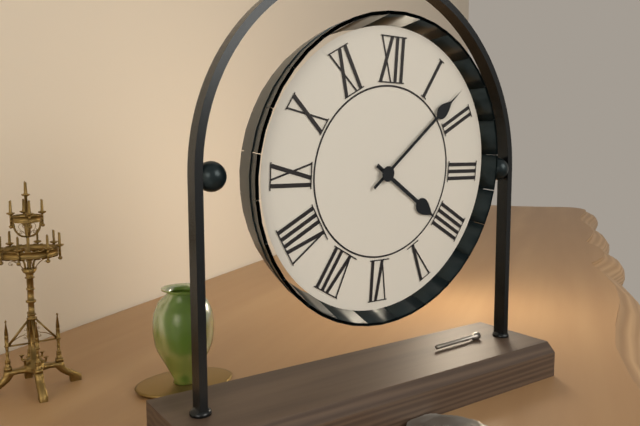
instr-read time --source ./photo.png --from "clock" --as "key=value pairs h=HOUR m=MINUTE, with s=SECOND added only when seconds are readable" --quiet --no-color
h=4 m=8
